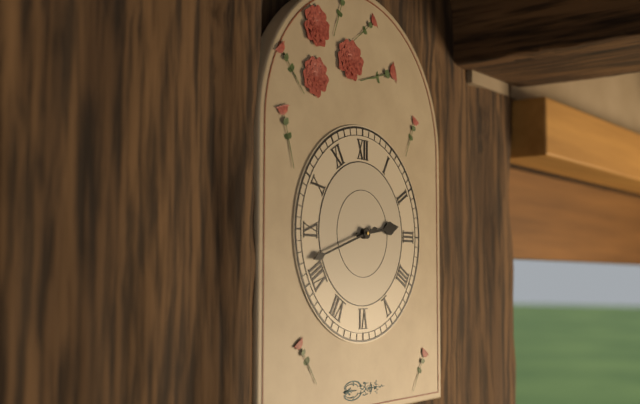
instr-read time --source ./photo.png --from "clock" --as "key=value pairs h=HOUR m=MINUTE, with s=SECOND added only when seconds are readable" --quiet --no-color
h=2 m=42
